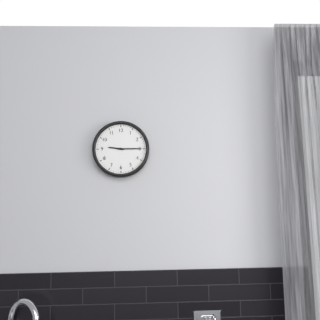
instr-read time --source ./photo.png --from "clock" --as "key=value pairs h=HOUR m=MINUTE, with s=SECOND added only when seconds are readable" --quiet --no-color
h=9 m=15
